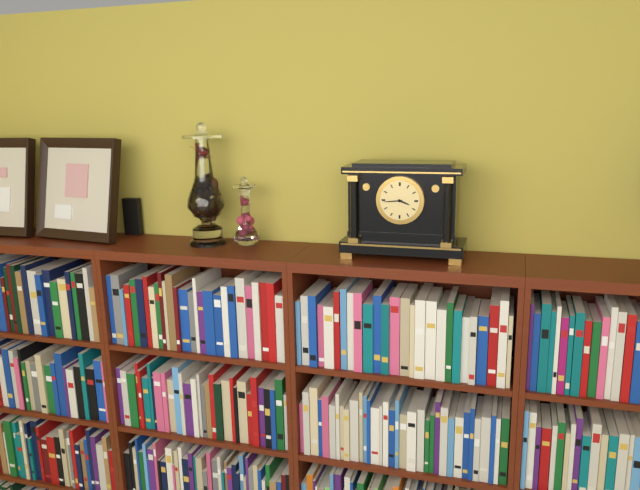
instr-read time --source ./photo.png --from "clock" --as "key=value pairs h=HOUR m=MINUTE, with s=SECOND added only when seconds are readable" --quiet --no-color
h=3 m=44
